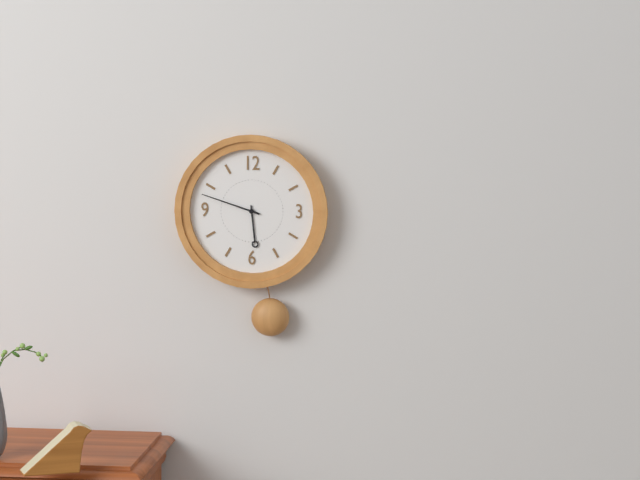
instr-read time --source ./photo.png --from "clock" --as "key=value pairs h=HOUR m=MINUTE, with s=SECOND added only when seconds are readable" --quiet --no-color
h=5 m=48
